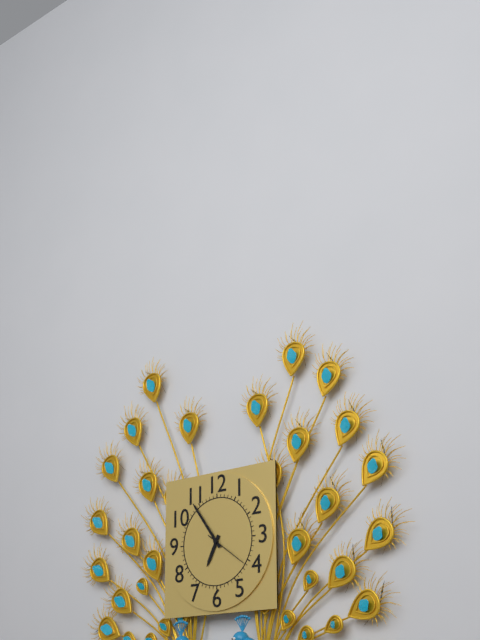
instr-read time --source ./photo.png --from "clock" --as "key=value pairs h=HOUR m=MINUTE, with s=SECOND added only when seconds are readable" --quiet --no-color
h=6 m=54
